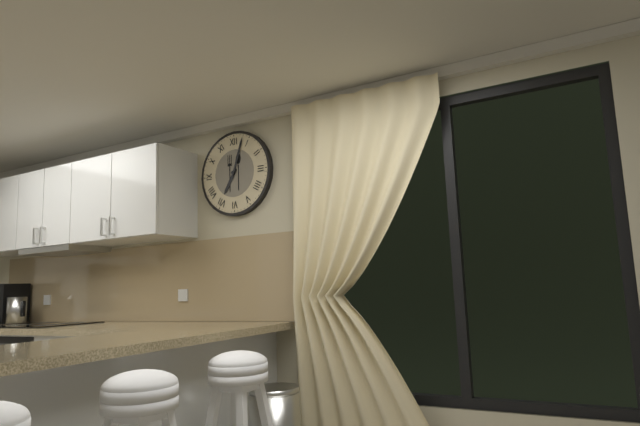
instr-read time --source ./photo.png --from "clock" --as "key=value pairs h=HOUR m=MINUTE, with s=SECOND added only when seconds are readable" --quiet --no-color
h=7 m=3
